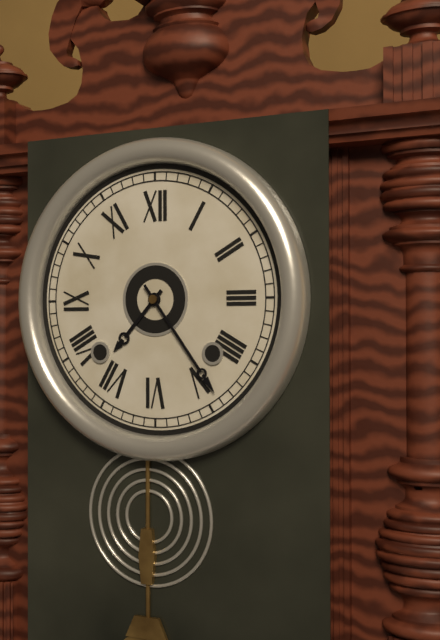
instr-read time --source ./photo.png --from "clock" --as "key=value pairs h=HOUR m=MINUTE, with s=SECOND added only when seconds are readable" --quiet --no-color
h=7 m=24
